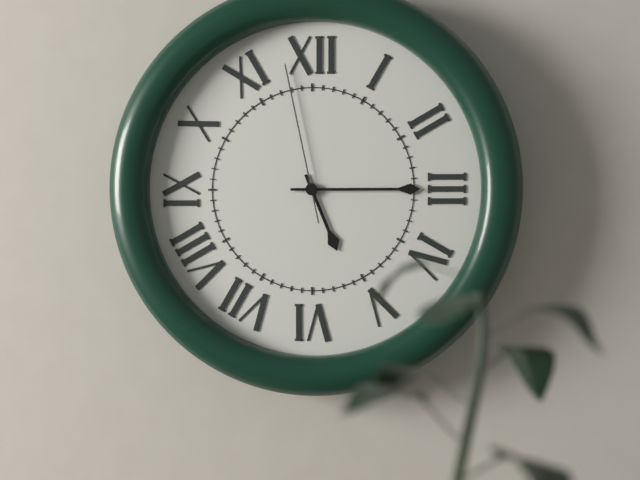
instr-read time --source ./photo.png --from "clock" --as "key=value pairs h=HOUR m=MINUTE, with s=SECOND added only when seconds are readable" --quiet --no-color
h=5 m=15 s=58
